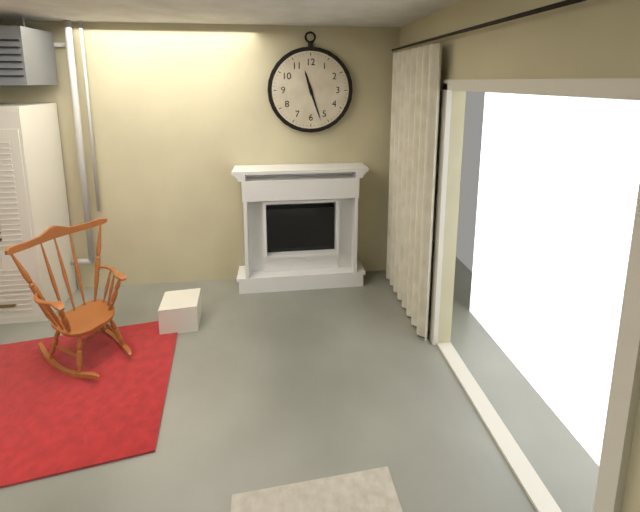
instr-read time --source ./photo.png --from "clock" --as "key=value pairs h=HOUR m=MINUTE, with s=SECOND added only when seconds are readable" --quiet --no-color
h=11 m=27
